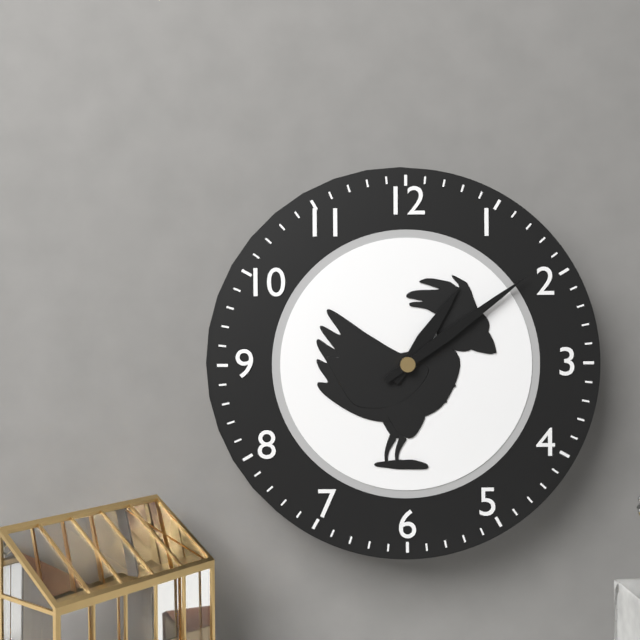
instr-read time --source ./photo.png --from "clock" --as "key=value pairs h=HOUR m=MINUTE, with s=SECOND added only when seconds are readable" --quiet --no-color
h=1 m=9
